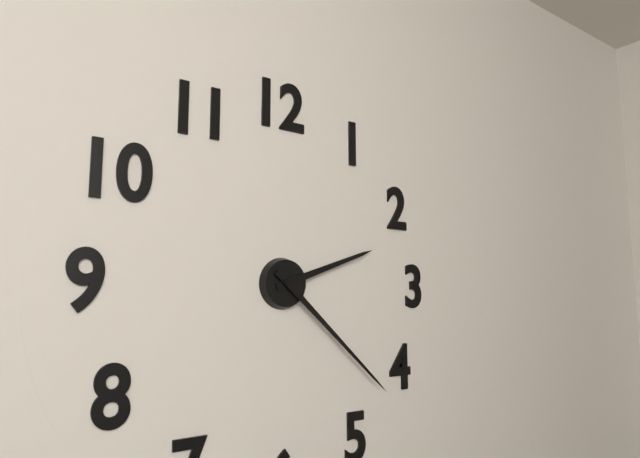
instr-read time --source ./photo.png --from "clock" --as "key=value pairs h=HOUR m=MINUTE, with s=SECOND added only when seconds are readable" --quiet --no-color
h=2 m=22
